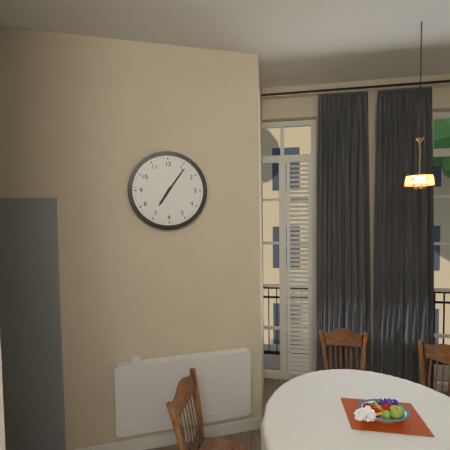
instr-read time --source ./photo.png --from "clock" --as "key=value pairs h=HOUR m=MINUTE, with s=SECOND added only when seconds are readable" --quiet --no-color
h=7 m=6
